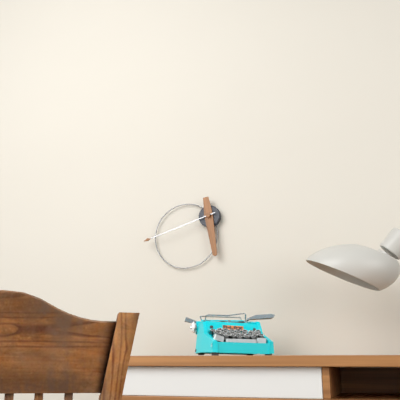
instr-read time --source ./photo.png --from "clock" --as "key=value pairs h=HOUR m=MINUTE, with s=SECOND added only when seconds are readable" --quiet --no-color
h=5 m=42
